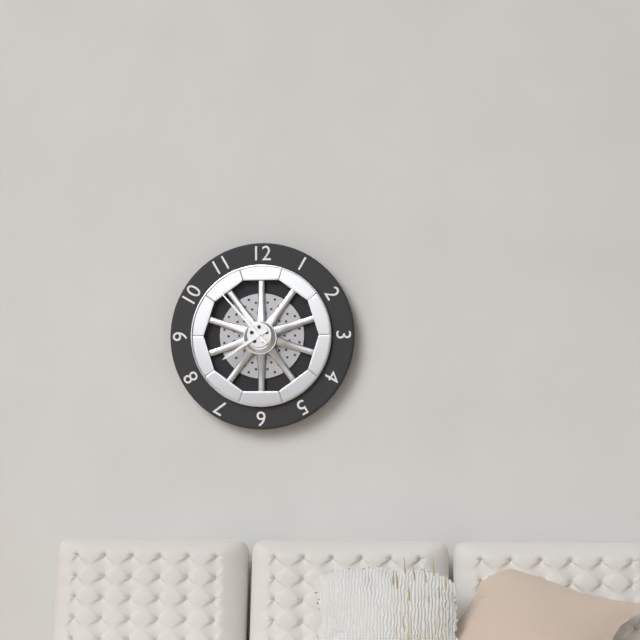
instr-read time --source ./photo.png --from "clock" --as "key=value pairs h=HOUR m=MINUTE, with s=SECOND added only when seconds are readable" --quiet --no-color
h=7 m=53
